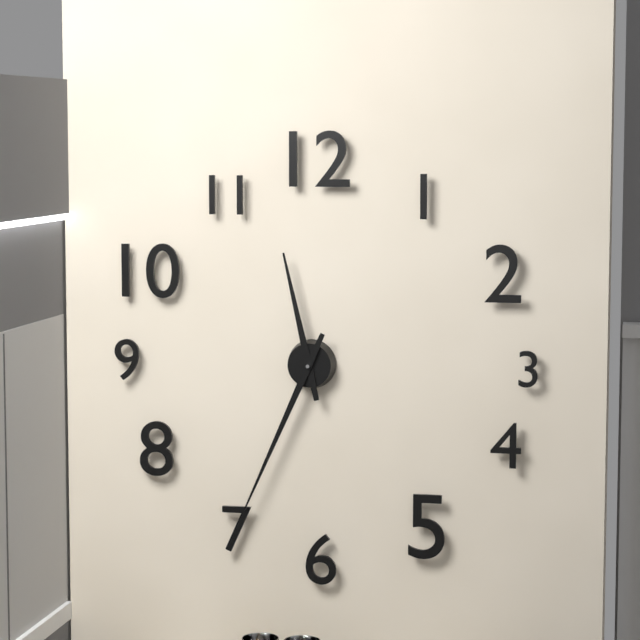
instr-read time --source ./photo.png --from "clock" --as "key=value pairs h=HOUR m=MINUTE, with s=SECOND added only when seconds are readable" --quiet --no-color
h=11 m=34
